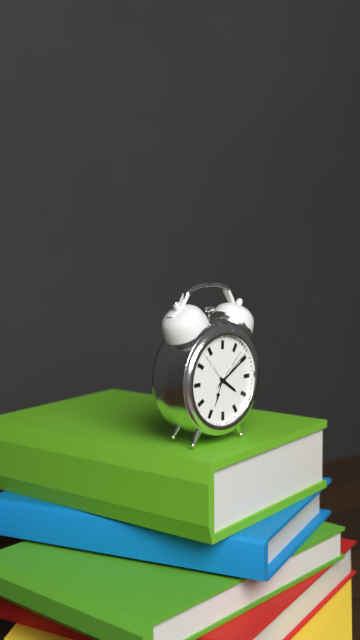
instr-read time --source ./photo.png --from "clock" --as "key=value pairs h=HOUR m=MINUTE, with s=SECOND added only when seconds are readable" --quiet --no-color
h=4 m=10
